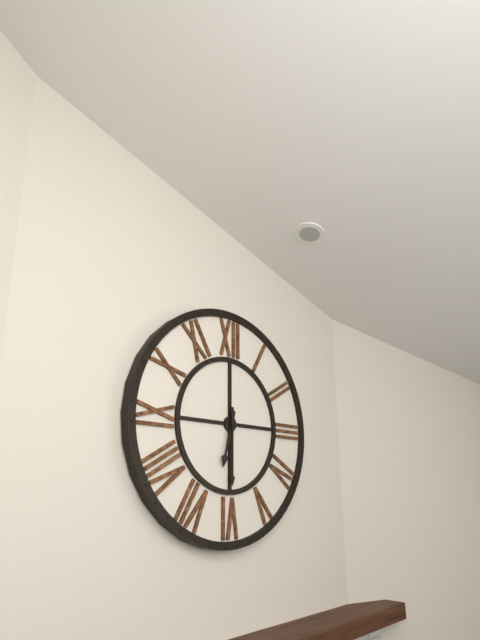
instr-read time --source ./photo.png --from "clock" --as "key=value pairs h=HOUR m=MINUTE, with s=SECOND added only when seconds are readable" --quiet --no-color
h=6 m=30
